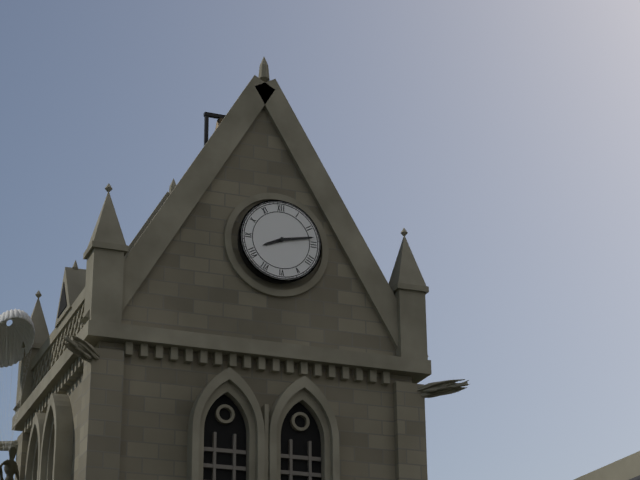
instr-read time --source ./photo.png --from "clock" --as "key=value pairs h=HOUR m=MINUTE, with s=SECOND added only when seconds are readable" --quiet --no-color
h=8 m=13
